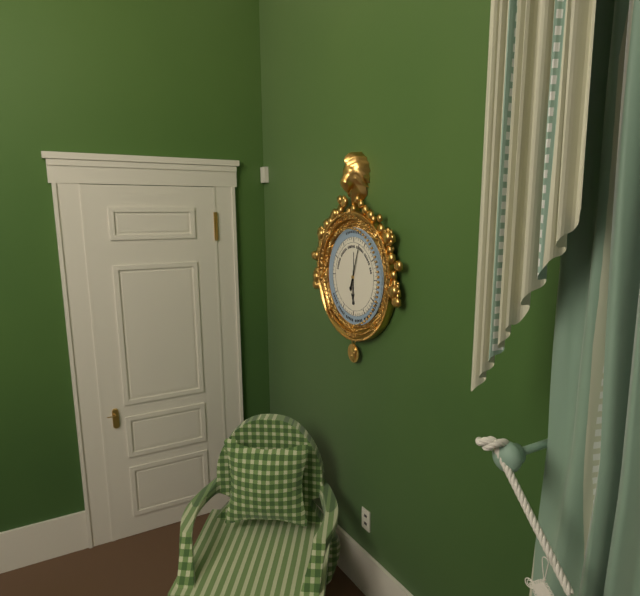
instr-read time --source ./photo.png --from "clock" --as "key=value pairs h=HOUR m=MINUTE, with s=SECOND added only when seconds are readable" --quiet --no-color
h=6 m=3
